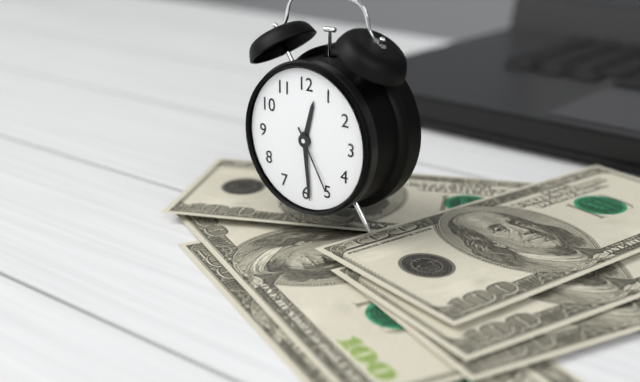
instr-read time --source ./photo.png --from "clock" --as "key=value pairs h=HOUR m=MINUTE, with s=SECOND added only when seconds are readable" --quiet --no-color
h=12 m=29 s=25
